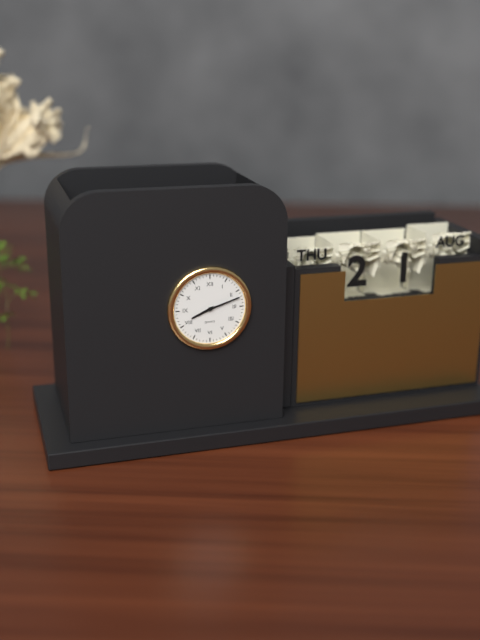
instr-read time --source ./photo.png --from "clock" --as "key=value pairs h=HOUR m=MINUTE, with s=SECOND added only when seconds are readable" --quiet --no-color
h=8 m=12
